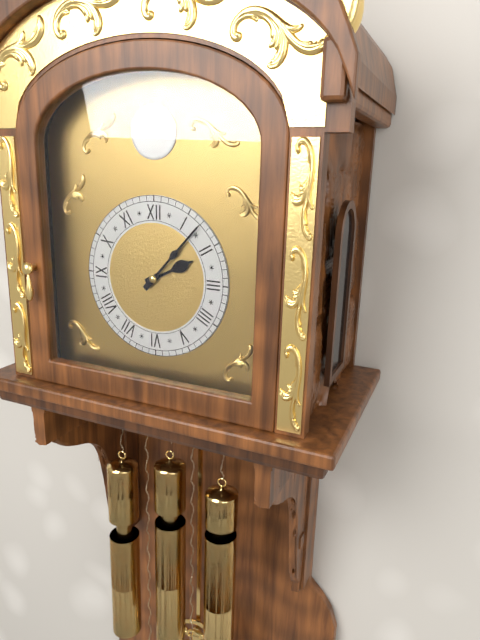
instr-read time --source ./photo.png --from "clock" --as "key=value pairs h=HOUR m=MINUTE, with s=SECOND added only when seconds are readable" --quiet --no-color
h=2 m=7
